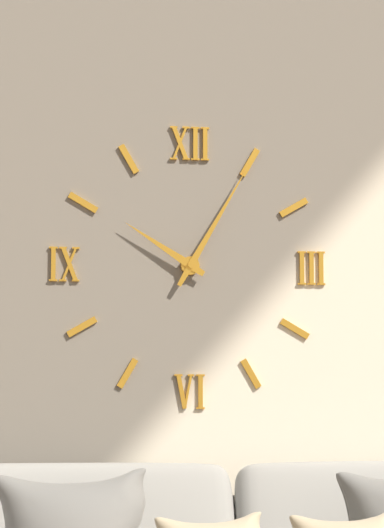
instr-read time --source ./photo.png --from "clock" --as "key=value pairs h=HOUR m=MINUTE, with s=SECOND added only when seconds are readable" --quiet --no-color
h=10 m=5
